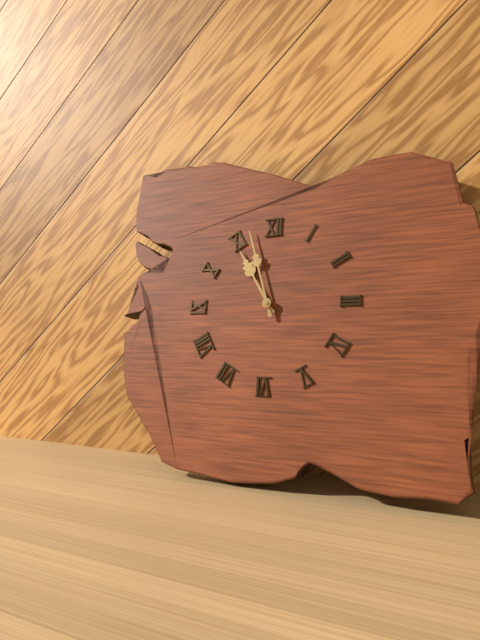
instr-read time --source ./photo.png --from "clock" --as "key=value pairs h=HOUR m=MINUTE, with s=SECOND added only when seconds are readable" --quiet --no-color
h=10 m=57
